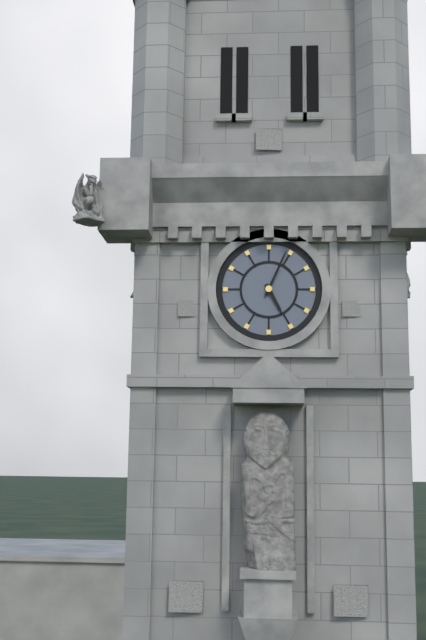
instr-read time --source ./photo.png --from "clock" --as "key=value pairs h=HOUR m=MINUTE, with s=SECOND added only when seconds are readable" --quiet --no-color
h=5 m=4
